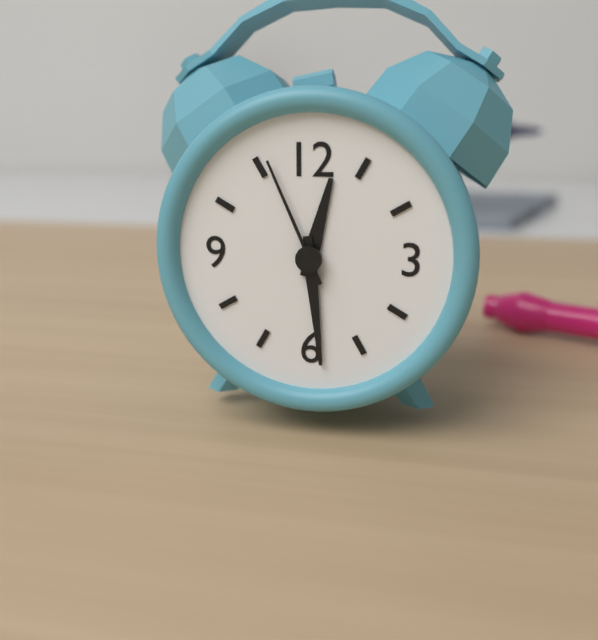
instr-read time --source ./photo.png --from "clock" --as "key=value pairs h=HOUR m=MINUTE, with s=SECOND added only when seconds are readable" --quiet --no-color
h=12 m=29 s=56
